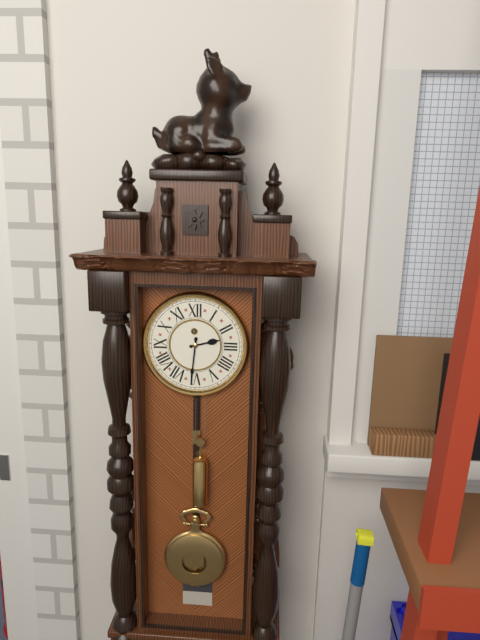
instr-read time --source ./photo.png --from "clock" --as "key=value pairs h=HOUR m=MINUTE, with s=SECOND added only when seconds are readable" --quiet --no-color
h=2 m=31
